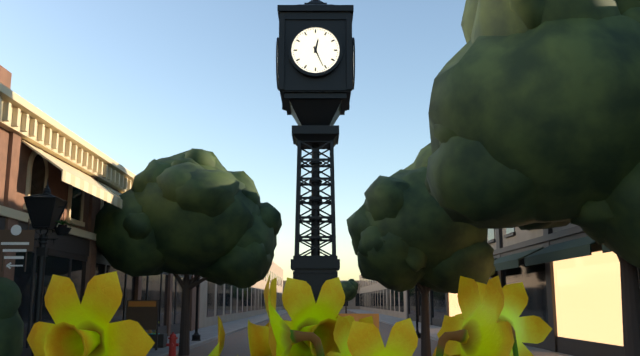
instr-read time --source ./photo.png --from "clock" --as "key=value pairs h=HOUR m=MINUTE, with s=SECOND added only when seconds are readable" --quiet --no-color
h=12 m=26
